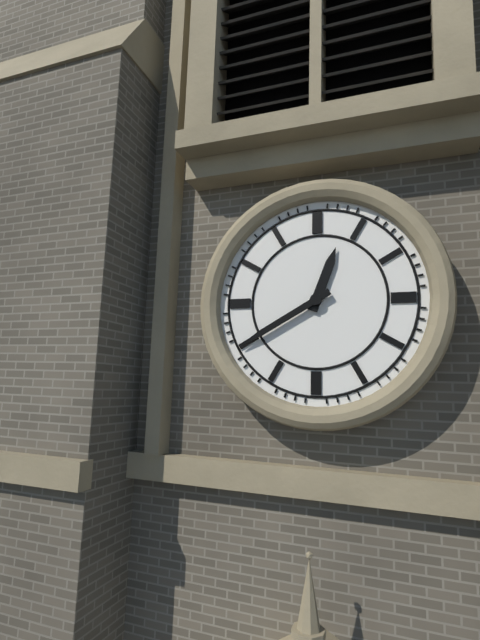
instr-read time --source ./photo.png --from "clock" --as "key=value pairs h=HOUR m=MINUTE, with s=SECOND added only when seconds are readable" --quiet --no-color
h=12 m=40
